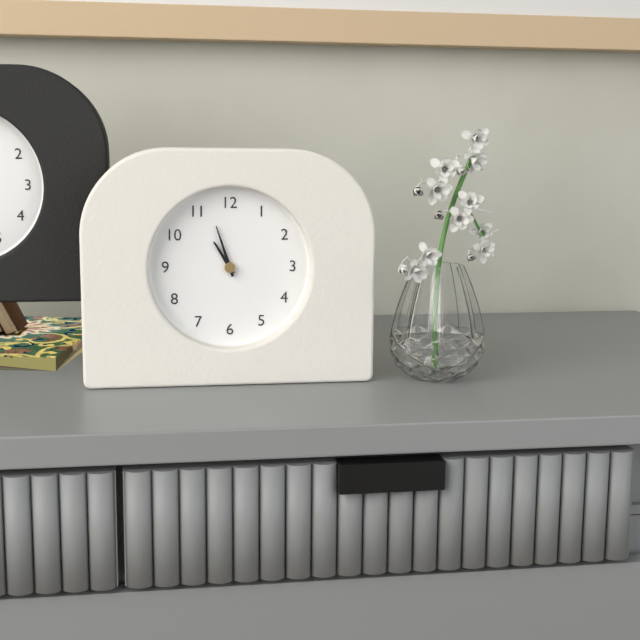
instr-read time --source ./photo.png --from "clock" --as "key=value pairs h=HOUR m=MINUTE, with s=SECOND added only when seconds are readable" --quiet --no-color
h=10 m=57
